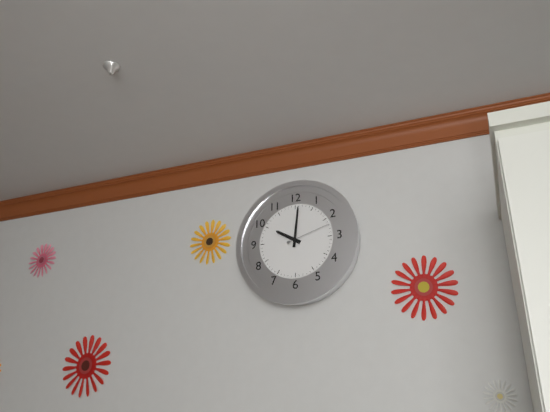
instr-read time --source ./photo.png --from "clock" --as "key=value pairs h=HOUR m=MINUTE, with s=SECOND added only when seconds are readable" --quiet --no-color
h=10 m=1
